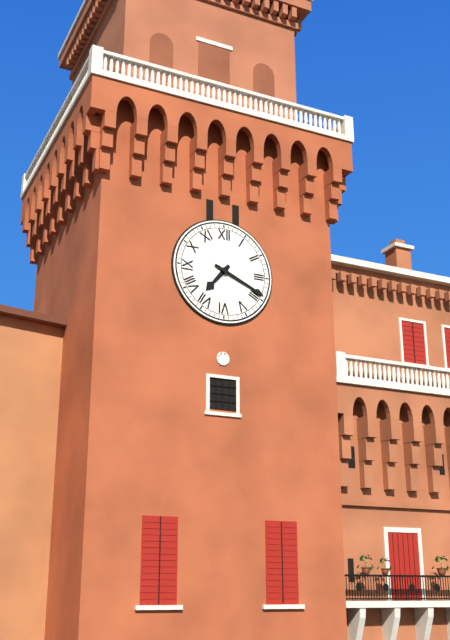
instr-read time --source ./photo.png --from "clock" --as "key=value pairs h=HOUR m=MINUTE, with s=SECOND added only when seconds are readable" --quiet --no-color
h=7 m=19
